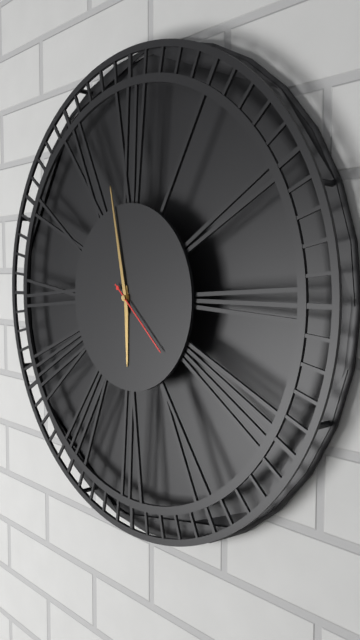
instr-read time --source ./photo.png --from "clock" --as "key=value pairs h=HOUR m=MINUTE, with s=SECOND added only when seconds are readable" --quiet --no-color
h=5 m=58 s=22
